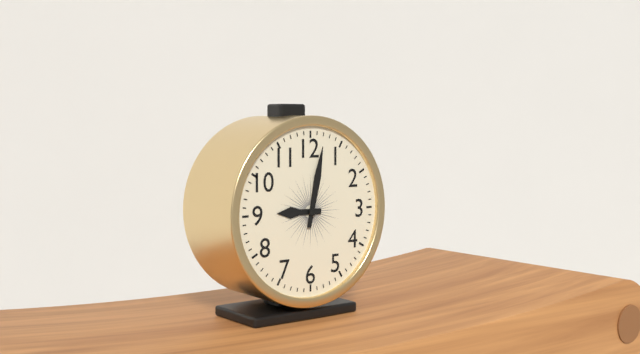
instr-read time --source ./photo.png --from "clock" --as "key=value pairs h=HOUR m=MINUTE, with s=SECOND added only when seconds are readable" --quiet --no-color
h=9 m=2
